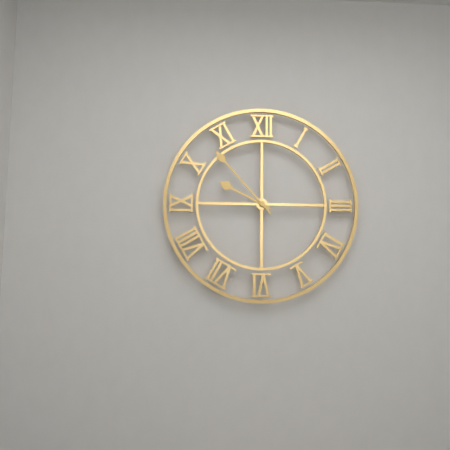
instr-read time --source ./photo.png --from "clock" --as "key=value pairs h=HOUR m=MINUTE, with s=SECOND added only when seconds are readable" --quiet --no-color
h=9 m=53
